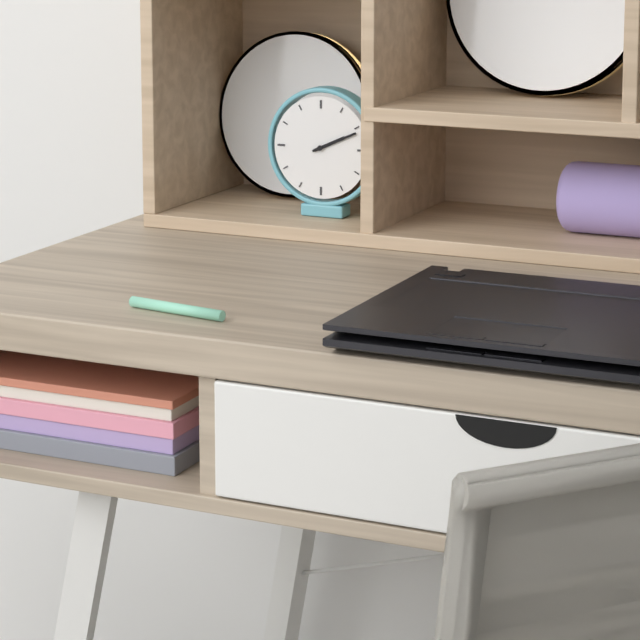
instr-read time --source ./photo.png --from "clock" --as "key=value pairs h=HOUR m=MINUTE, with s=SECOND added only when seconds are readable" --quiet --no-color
h=2 m=11
